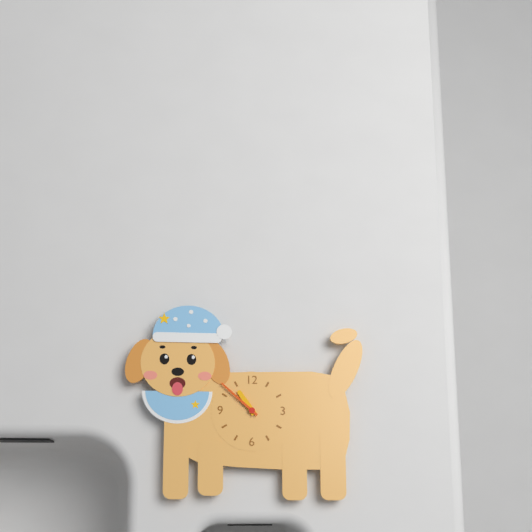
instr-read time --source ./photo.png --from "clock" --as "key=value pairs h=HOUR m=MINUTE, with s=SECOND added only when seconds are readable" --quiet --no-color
h=10 m=52
